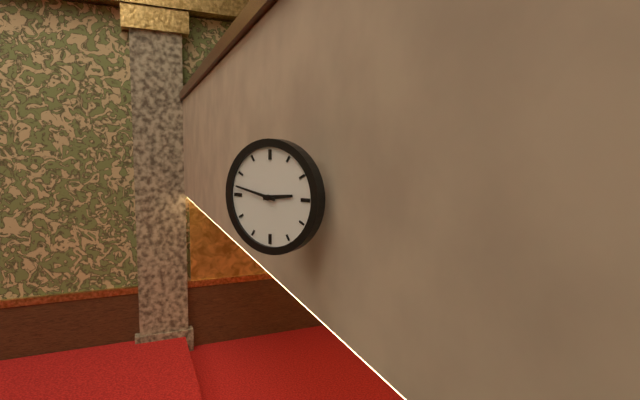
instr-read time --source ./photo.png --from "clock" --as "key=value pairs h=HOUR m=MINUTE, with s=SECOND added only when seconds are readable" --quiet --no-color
h=2 m=47
